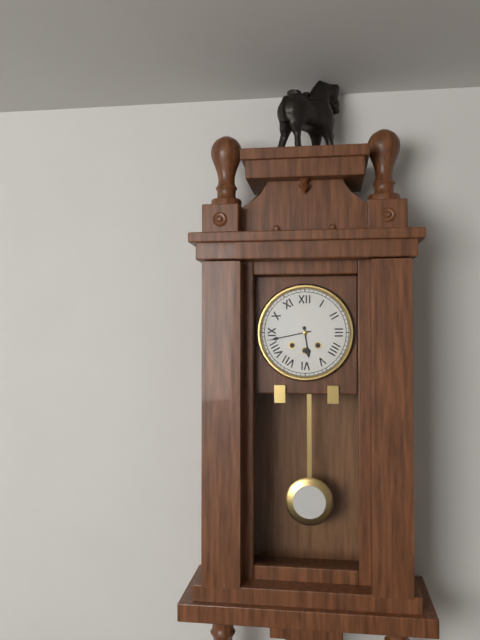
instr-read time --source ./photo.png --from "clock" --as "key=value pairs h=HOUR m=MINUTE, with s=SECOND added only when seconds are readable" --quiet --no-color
h=5 m=43
